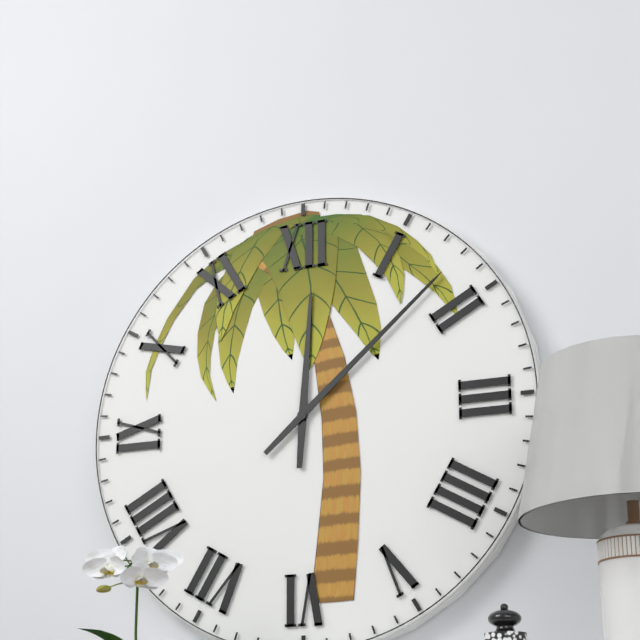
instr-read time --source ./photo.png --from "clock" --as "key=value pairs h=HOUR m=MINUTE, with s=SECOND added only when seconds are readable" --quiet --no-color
h=12 m=8
